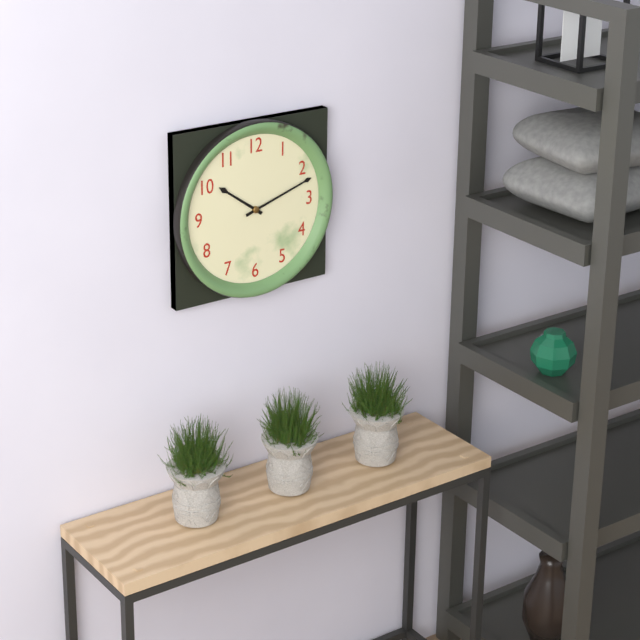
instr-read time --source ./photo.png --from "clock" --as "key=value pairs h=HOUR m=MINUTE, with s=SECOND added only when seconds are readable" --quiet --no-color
h=10 m=12
